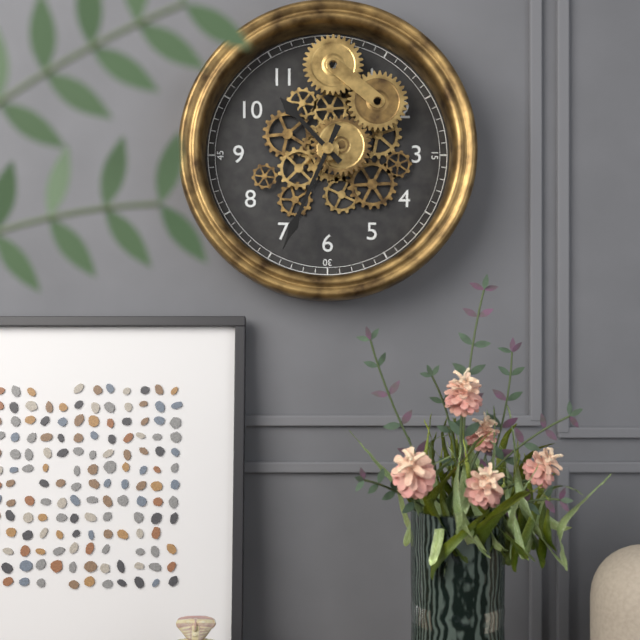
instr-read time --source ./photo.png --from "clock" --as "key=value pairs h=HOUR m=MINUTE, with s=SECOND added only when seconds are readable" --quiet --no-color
h=10 m=34
